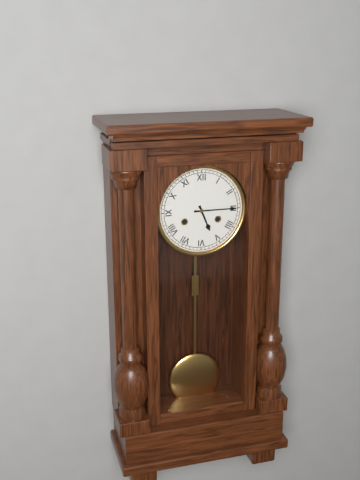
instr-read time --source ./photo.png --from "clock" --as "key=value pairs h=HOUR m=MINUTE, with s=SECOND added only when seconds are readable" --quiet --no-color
h=5 m=15
